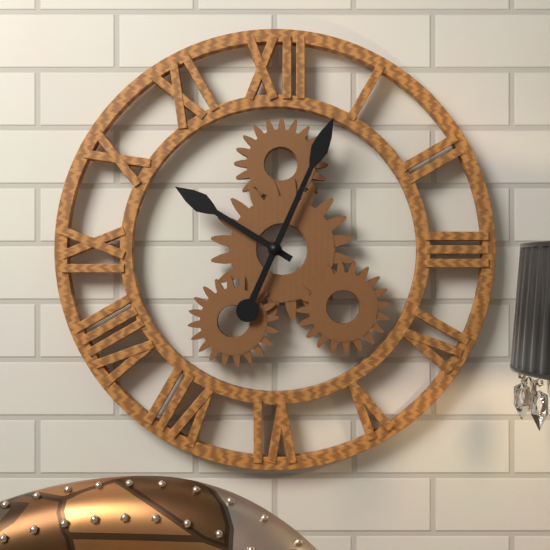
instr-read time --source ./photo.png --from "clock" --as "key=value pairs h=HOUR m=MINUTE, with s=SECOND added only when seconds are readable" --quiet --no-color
h=10 m=4
